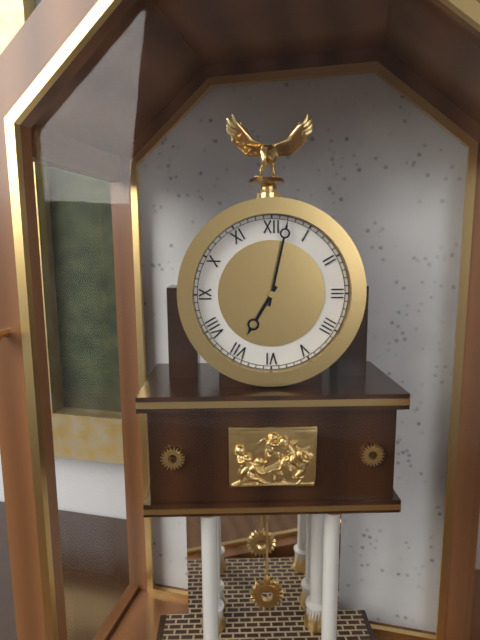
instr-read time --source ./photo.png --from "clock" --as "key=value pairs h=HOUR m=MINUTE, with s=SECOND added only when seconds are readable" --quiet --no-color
h=7 m=2
